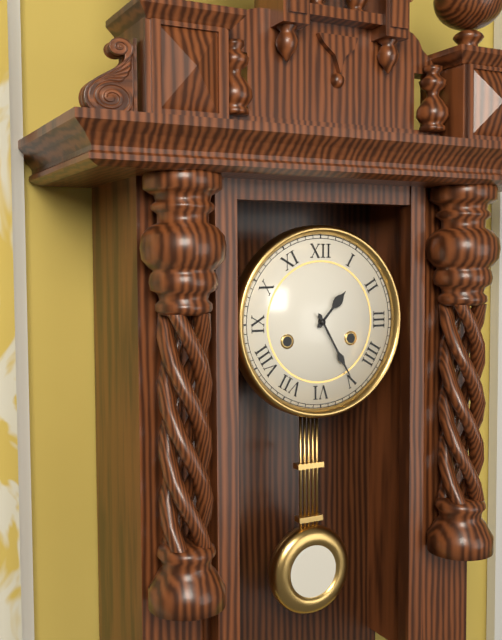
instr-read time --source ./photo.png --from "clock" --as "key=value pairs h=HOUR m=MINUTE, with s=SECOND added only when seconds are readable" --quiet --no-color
h=1 m=25
